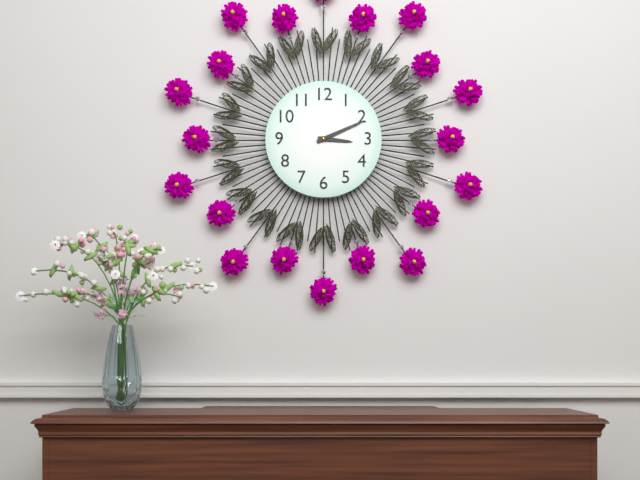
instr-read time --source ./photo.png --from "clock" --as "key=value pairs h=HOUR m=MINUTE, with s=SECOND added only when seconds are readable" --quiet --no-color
h=3 m=11
